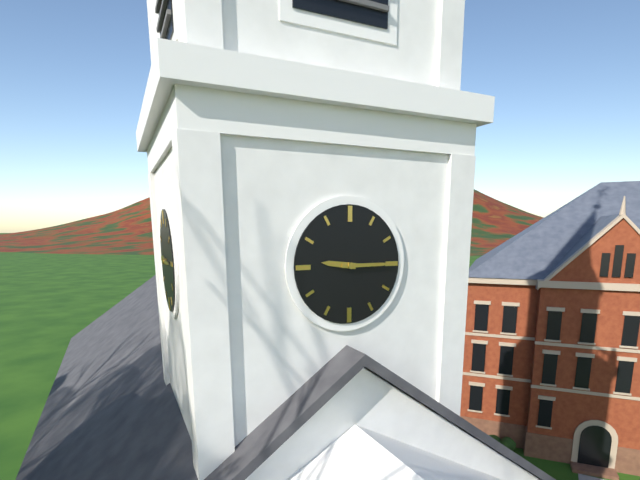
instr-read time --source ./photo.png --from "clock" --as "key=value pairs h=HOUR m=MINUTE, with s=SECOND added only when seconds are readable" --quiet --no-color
h=9 m=15
